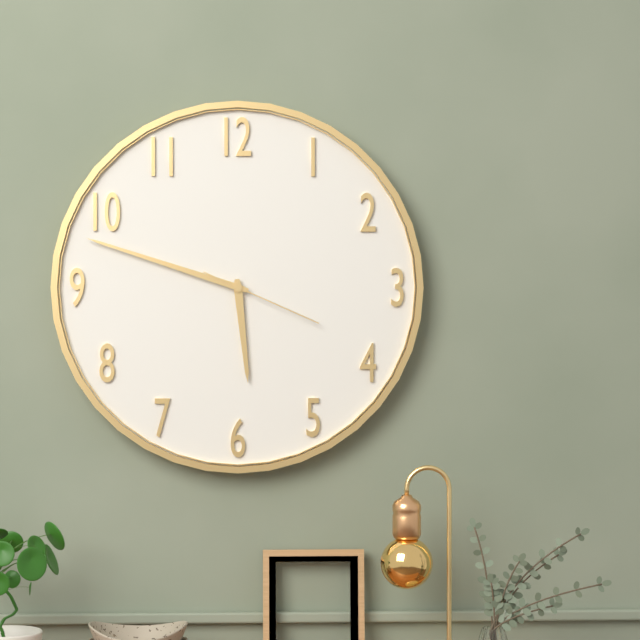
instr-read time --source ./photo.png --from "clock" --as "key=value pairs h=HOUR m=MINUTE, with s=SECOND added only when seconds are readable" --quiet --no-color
h=5 m=48 s=19
